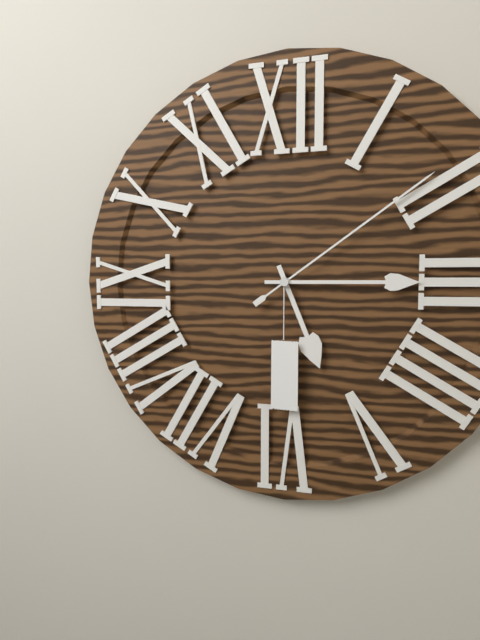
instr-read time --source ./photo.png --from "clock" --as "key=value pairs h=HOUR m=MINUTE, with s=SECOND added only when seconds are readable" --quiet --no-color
h=5 m=15 s=9
